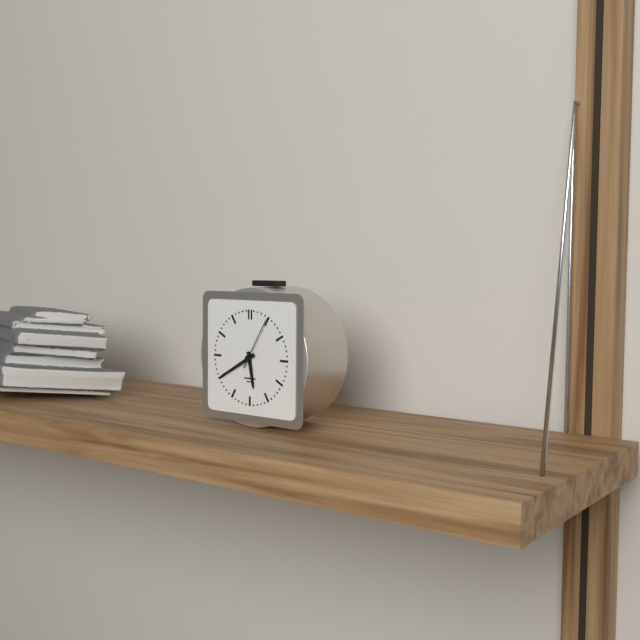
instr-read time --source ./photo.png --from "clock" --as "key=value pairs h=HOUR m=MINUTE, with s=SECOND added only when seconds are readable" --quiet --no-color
h=5 m=40 s=5
